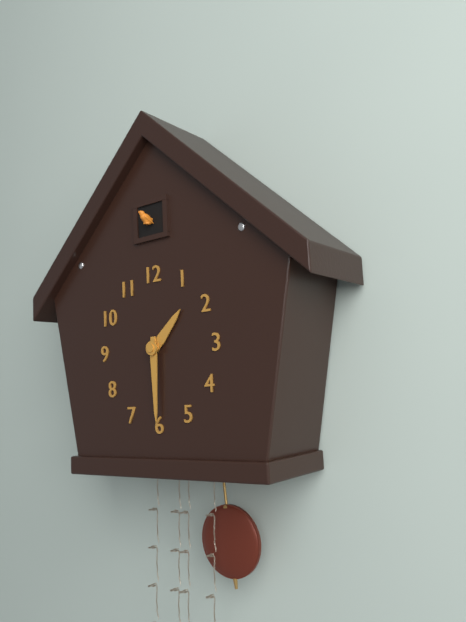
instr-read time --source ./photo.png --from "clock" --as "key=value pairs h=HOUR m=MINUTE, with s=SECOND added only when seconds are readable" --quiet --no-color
h=1 m=30
